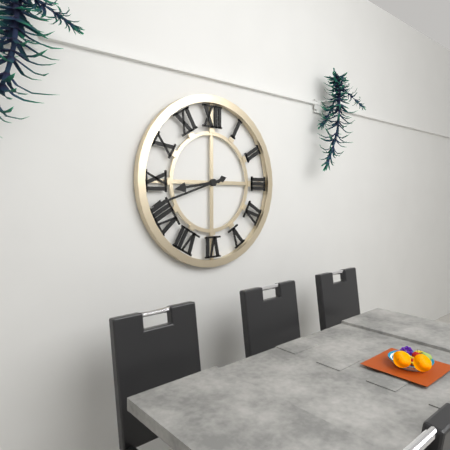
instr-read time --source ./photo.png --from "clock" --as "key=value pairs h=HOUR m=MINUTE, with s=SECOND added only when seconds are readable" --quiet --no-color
h=8 m=42
